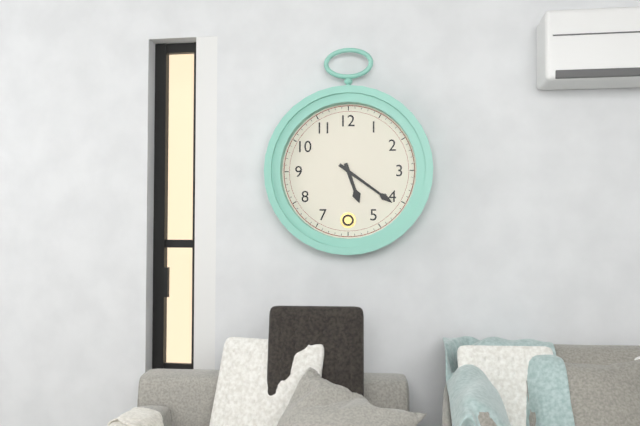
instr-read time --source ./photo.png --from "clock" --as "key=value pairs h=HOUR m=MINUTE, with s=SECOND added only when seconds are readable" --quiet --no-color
h=5 m=21
